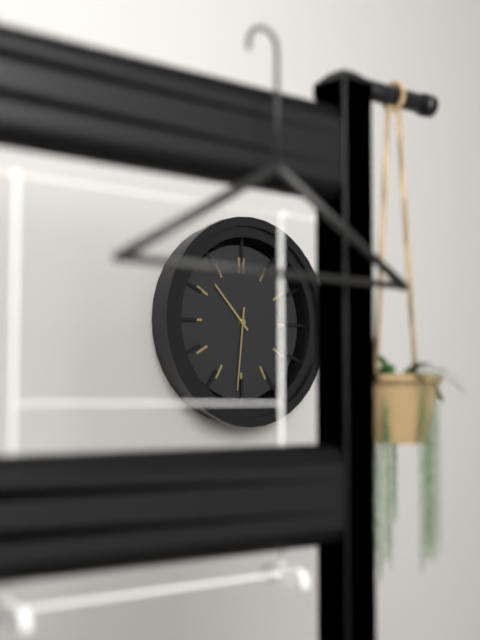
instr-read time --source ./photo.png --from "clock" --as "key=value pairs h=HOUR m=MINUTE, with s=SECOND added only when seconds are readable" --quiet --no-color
h=10 m=31
